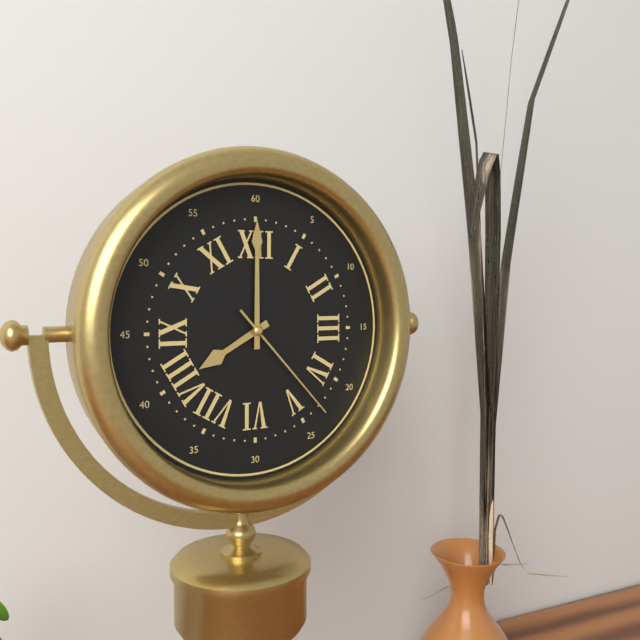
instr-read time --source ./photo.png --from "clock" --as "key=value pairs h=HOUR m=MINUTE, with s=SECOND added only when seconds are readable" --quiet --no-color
h=8 m=0 s=23
